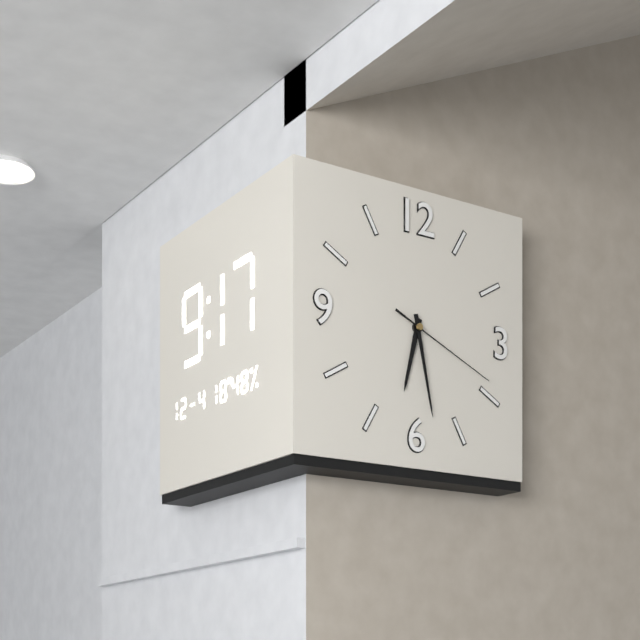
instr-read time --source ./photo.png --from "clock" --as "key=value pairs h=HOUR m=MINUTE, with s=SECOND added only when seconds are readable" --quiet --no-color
h=6 m=28 s=19
